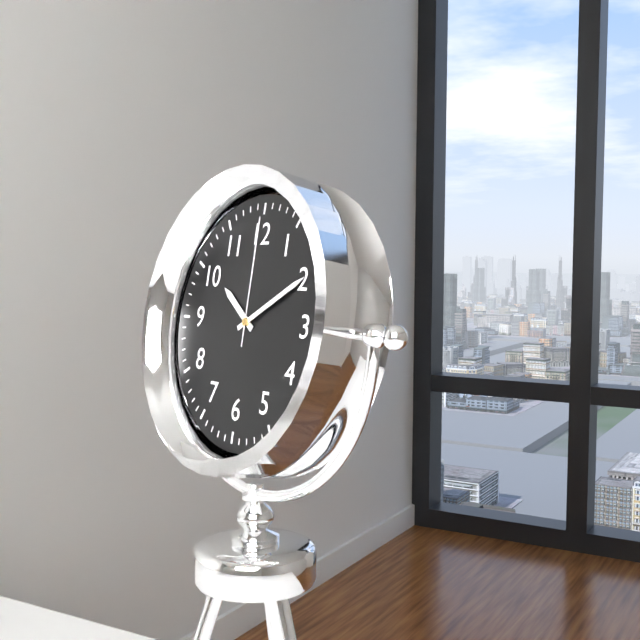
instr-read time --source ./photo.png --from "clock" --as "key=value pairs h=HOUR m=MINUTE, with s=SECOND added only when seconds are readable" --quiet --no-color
h=10 m=10 s=0
